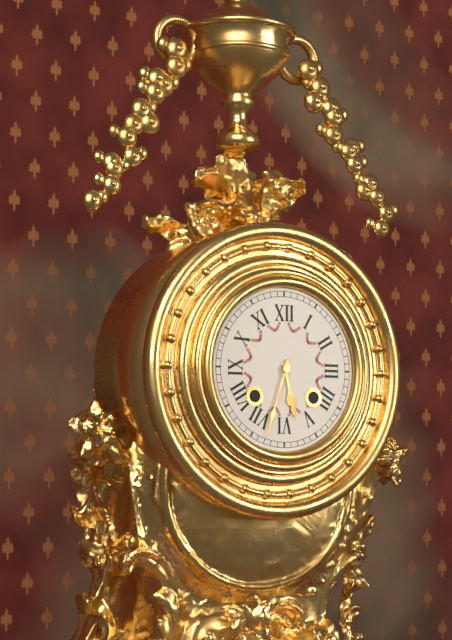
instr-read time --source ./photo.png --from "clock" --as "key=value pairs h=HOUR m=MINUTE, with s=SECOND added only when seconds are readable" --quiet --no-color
h=5 m=33
